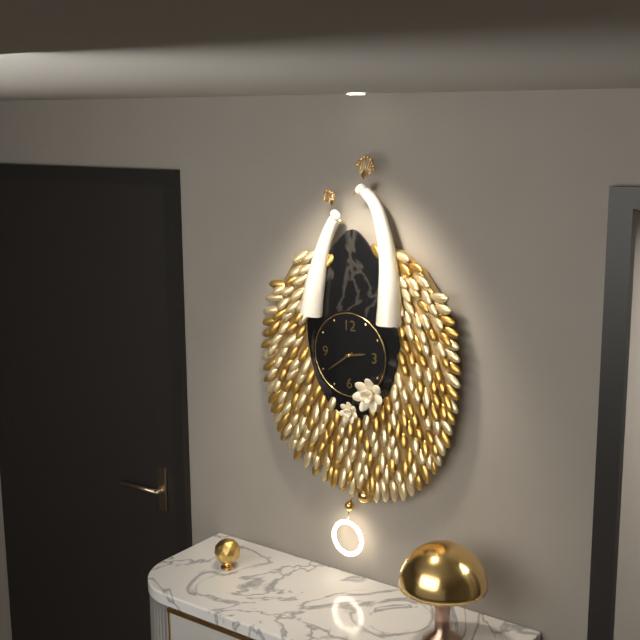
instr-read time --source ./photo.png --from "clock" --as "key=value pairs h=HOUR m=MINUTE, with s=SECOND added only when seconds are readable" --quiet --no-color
h=2 m=39
